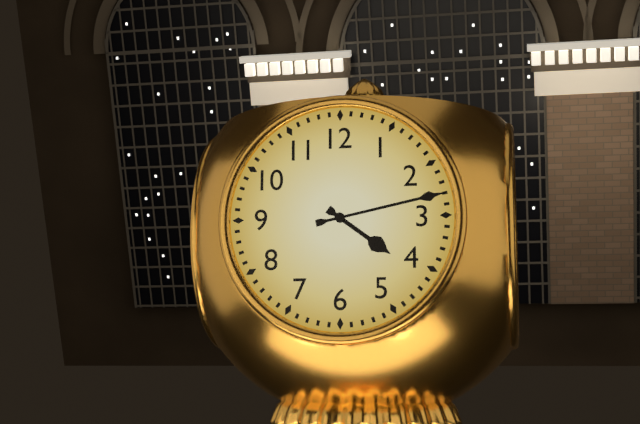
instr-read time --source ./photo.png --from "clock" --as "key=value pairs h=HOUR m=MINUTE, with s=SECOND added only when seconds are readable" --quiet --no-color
h=4 m=13
